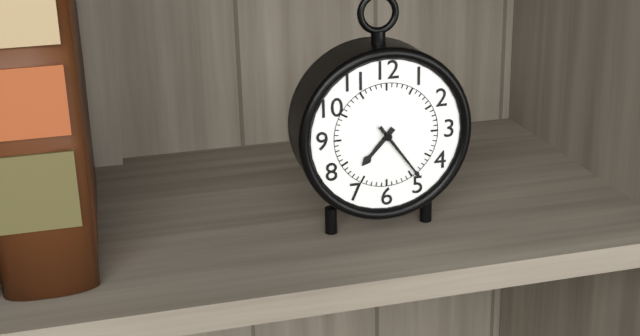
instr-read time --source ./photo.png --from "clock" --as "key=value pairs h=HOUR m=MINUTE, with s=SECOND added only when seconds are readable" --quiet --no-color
h=7 m=24
